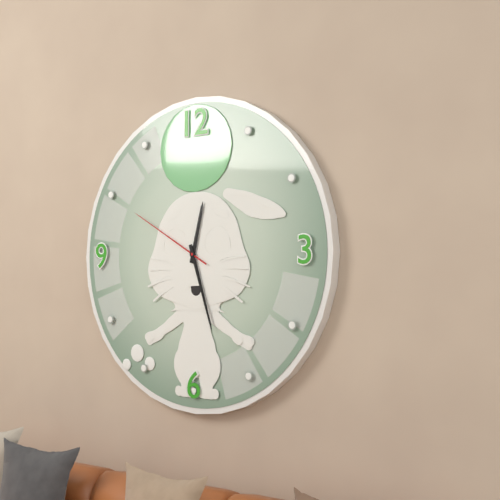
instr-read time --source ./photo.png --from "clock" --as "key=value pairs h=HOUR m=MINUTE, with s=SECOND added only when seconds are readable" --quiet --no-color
h=12 m=27 s=50
